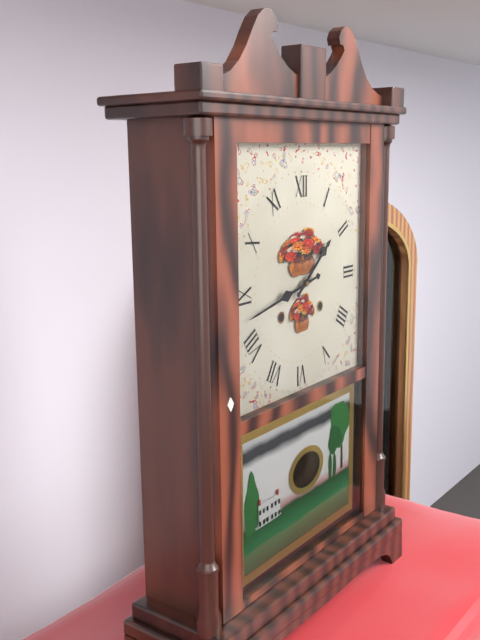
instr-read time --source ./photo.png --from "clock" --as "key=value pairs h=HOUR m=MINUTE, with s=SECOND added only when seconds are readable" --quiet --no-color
h=1 m=43
